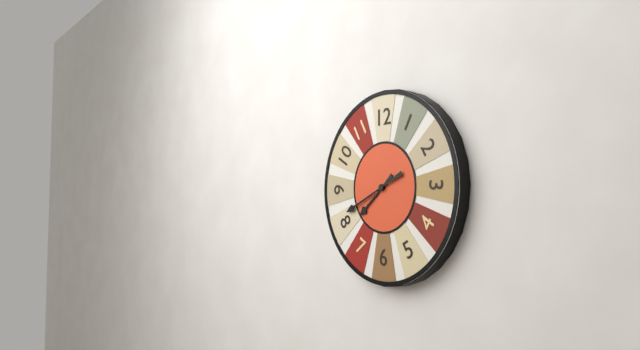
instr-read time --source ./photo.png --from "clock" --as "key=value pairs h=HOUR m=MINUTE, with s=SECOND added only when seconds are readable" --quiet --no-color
h=7 m=41
